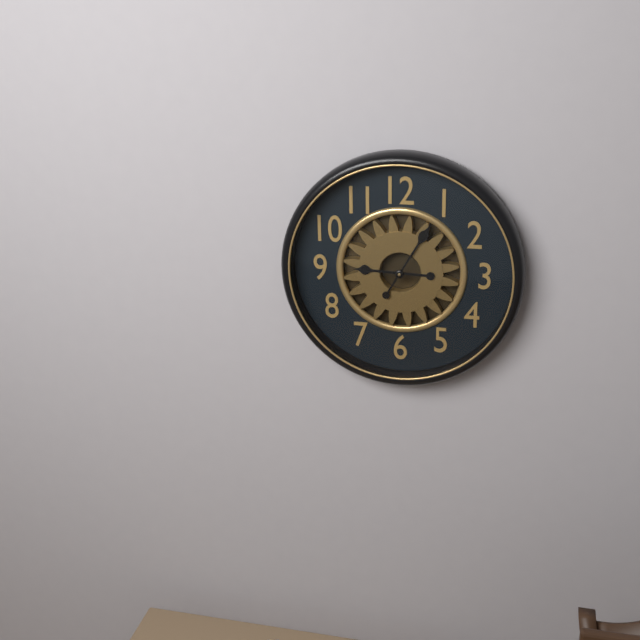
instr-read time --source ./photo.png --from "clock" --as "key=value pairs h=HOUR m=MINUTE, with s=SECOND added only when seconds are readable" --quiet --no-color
h=9 m=5
